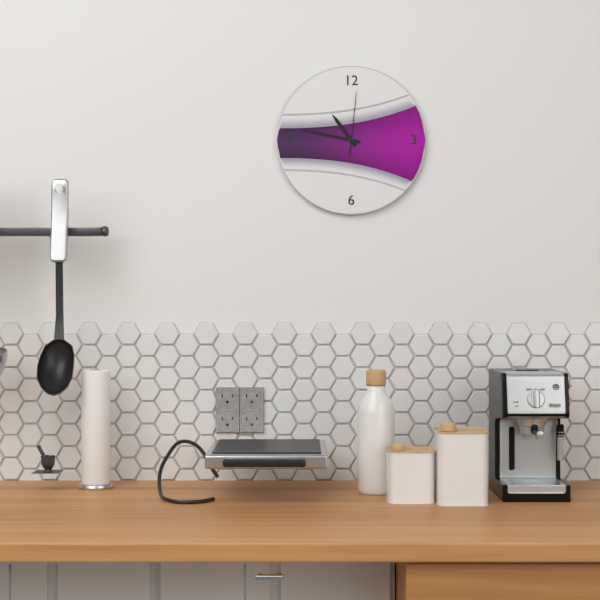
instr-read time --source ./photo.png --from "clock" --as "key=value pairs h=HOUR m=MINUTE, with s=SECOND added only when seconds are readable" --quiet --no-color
h=10 m=47 s=1
